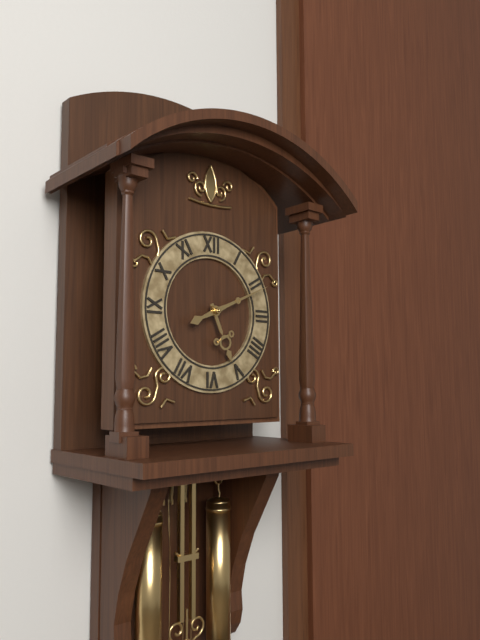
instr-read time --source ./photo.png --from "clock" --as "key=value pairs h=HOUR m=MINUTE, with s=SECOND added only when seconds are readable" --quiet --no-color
h=5 m=11
